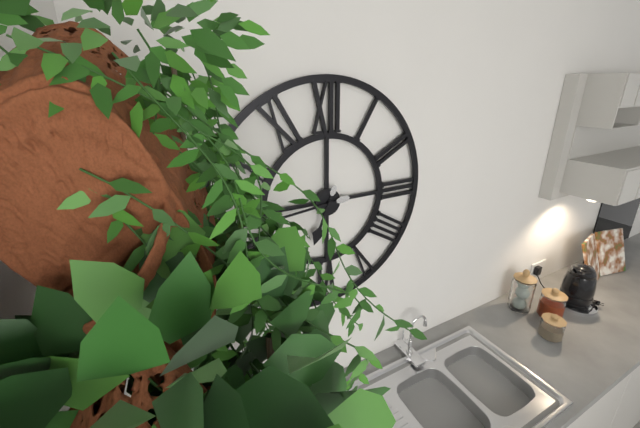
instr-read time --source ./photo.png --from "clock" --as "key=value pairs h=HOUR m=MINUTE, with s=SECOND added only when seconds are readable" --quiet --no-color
h=6 m=44
